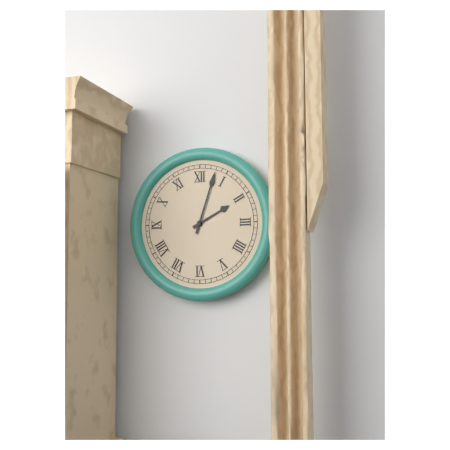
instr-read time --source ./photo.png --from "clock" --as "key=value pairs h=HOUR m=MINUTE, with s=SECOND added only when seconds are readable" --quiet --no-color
h=2 m=3
